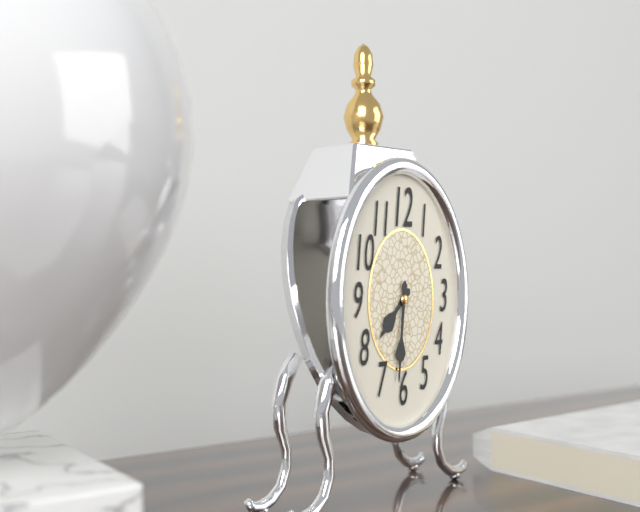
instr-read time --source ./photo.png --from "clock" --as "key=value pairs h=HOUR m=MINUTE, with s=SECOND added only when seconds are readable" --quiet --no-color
h=7 m=31
